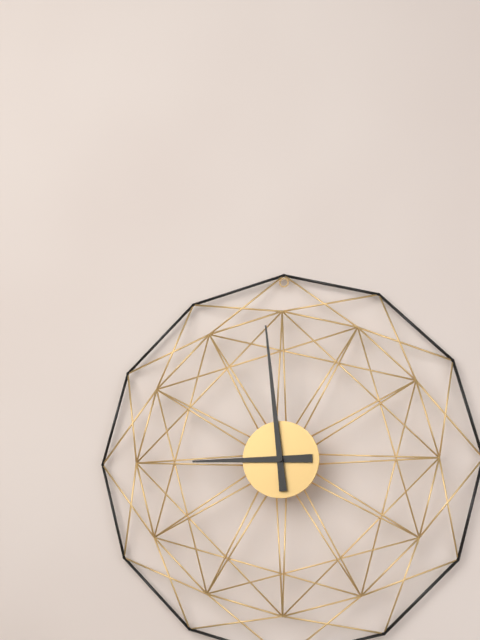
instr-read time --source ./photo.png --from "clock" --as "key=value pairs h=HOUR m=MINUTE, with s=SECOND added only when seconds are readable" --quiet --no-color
h=8 m=59
